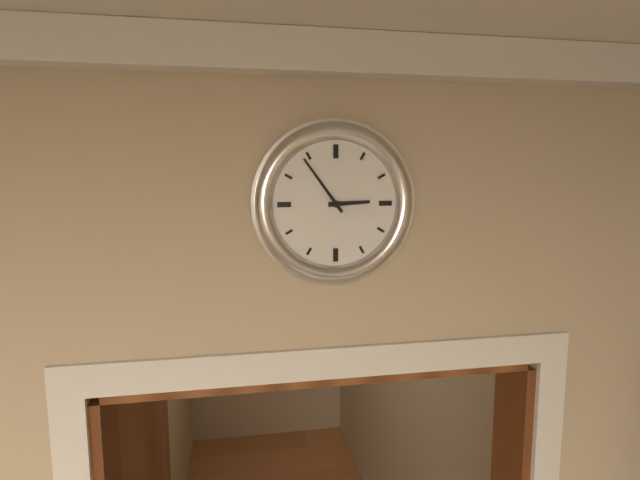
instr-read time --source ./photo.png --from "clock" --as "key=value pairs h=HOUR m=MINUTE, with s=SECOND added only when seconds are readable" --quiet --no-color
h=2 m=54
